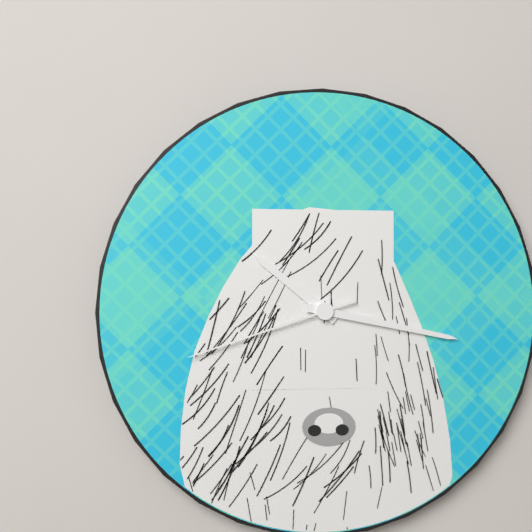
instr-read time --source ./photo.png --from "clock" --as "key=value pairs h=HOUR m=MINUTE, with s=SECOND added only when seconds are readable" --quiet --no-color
h=10 m=17 s=42
